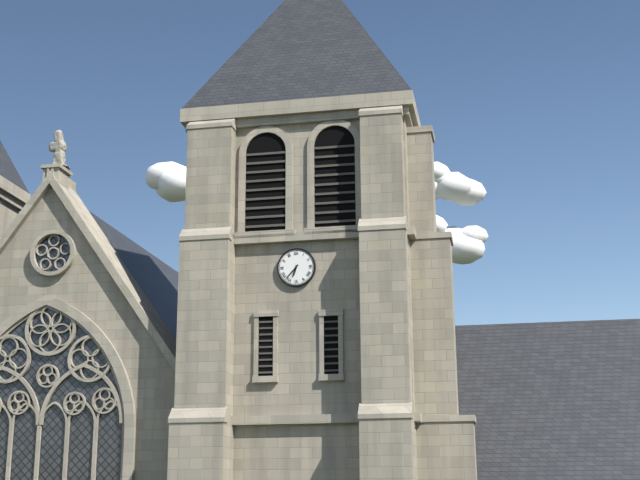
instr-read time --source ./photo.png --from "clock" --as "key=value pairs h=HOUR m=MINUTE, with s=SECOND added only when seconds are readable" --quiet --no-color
h=6 m=37
